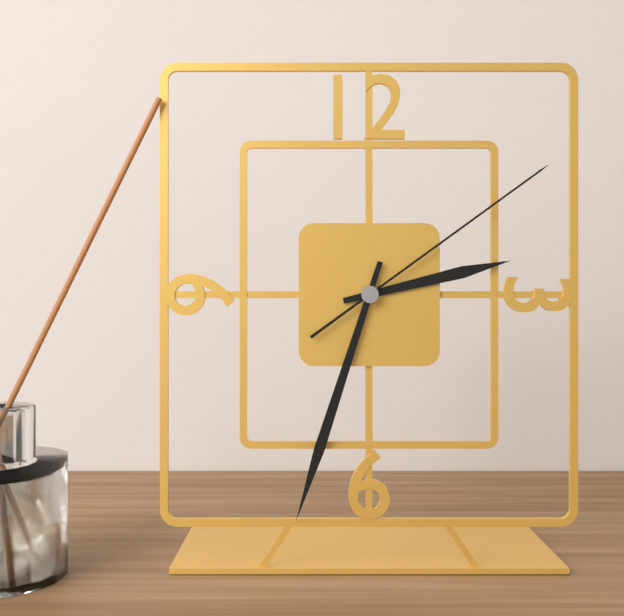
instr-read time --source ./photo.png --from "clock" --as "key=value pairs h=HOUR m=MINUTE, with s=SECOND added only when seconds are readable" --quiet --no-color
h=2 m=33 s=9
